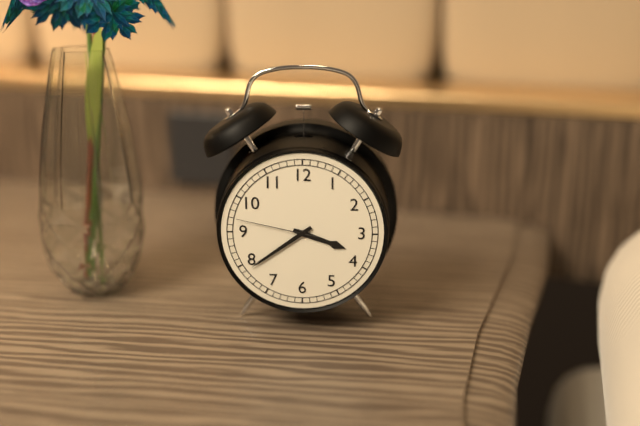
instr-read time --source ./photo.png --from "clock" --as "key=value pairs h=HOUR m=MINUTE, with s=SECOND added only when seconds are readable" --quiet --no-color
h=3 m=39 s=47
